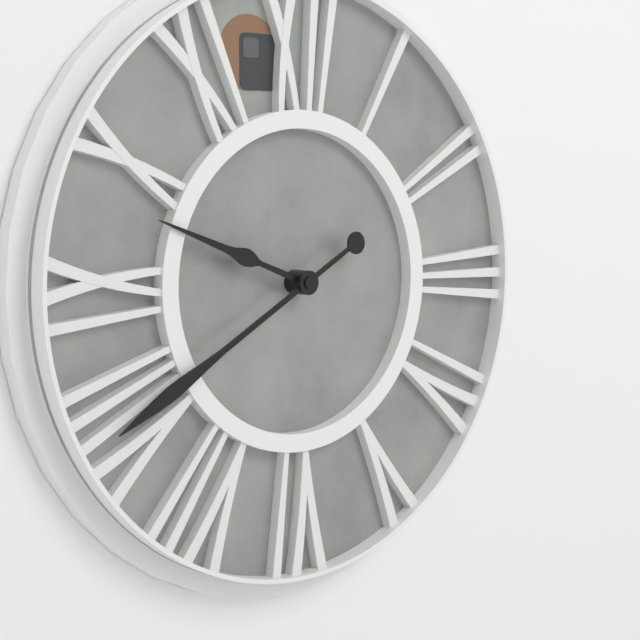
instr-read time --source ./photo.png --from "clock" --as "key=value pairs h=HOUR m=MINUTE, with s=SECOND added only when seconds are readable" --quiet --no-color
h=9 m=40
